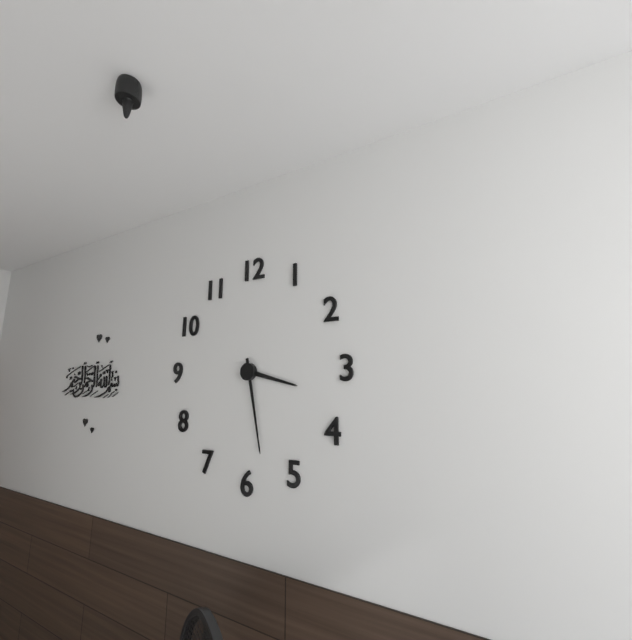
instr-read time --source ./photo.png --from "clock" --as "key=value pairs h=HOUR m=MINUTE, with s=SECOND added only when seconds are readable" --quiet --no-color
h=3 m=28
